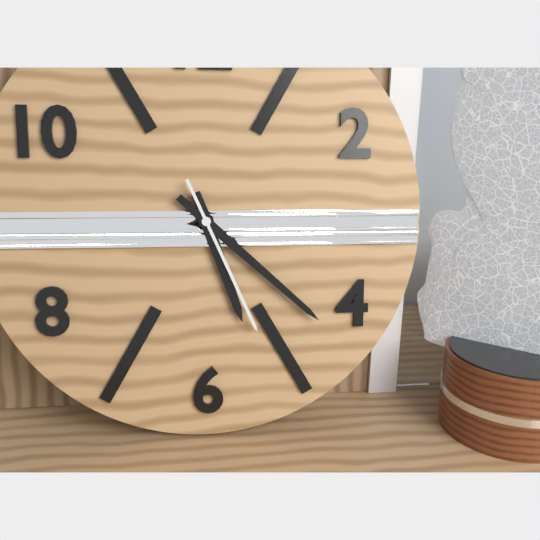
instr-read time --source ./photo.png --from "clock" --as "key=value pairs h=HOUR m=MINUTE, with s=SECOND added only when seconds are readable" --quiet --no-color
h=5 m=22 s=26
